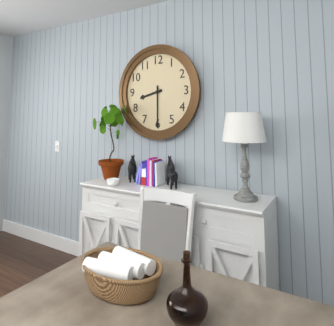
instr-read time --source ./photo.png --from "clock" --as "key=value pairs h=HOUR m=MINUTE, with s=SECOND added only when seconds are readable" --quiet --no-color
h=8 m=30
